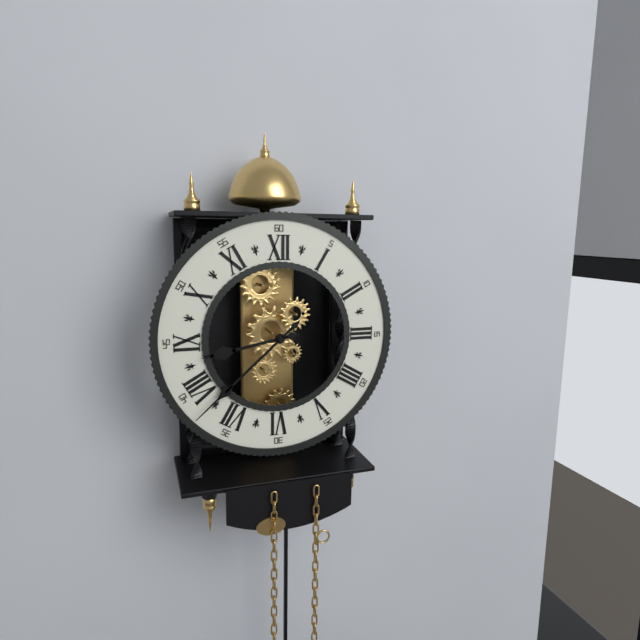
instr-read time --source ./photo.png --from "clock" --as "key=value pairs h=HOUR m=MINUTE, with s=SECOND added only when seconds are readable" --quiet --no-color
h=8 m=38
